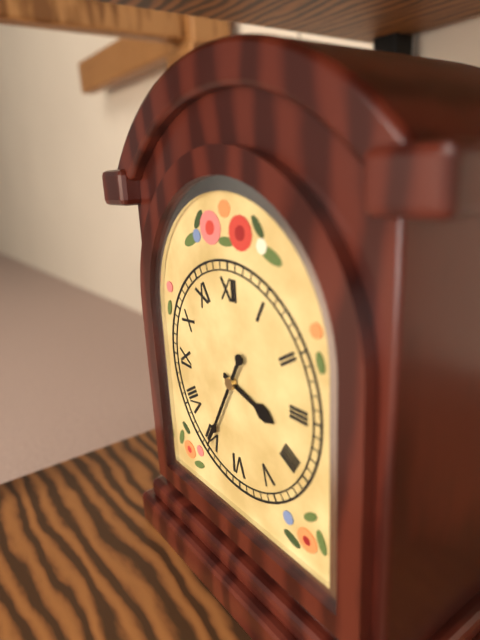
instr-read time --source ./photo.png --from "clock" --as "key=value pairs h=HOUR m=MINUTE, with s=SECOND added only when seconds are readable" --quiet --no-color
h=3 m=35
